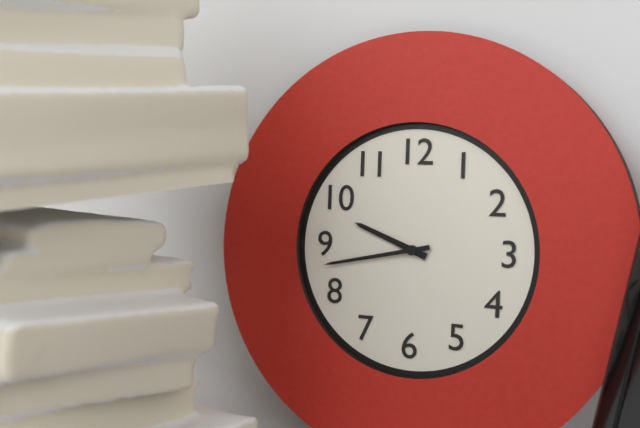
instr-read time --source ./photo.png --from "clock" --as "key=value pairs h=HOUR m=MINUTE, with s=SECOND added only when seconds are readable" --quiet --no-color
h=9 m=43
